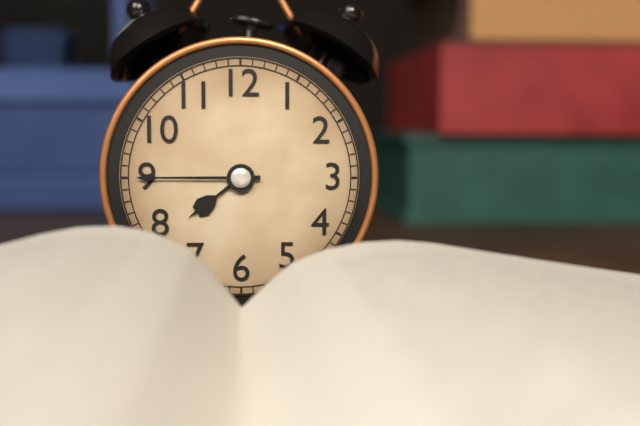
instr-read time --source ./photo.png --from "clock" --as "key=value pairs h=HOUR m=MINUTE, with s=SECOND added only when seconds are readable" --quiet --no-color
h=7 m=45
